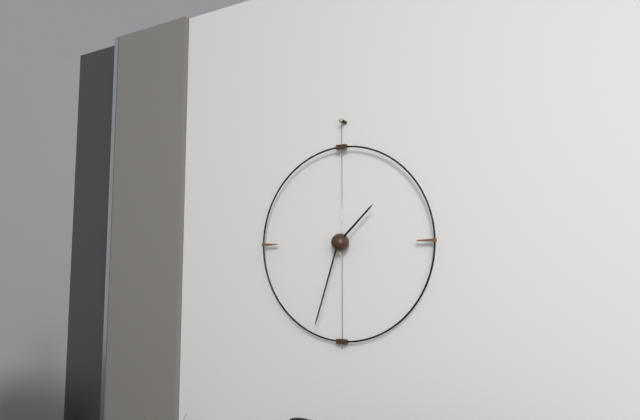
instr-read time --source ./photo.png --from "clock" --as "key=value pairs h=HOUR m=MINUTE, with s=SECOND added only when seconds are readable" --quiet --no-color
h=1 m=33
